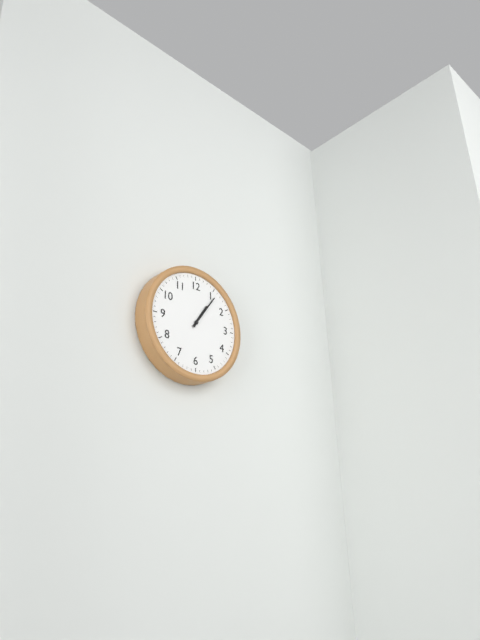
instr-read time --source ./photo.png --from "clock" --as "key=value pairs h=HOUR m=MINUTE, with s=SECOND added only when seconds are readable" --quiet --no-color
h=1 m=6
